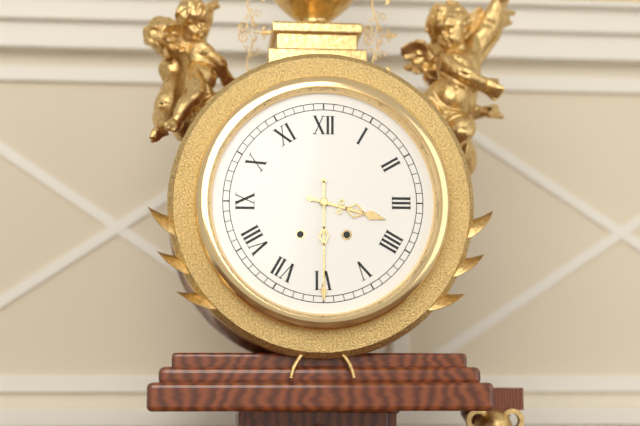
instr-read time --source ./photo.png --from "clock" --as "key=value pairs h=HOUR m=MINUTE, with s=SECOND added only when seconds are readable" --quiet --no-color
h=3 m=30
